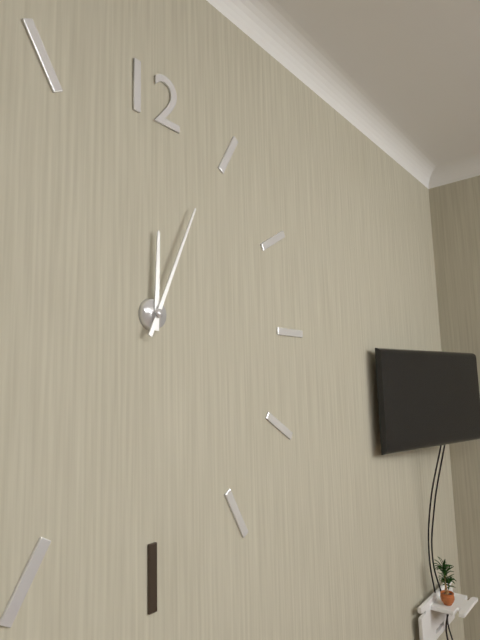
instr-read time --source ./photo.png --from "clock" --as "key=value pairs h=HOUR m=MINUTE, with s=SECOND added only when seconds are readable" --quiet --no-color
h=12 m=4
